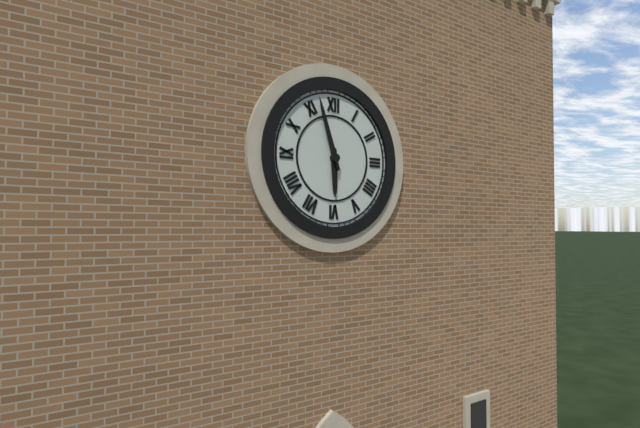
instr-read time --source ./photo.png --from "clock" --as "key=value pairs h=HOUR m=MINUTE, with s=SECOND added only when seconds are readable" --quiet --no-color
h=5 m=57
